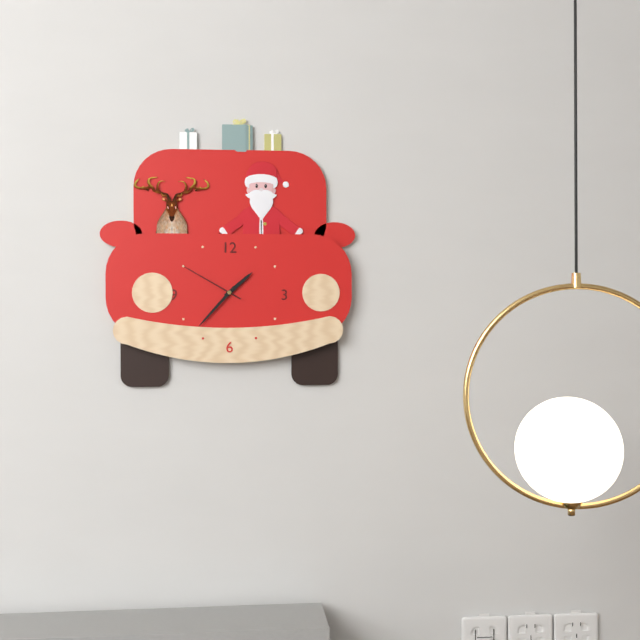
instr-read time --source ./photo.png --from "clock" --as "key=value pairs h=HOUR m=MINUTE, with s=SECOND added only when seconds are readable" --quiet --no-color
h=1 m=37 s=50
